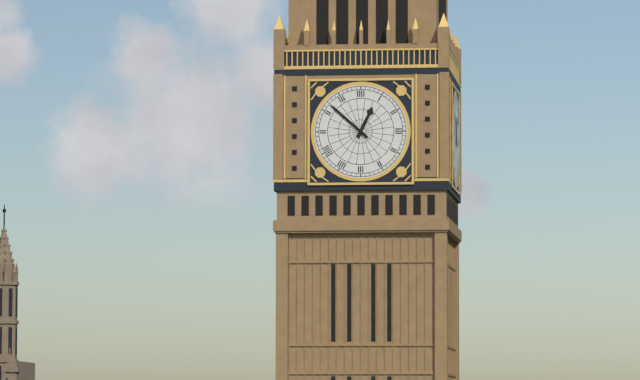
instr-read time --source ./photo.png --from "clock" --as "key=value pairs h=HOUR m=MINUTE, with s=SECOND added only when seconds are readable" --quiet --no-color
h=12 m=52
